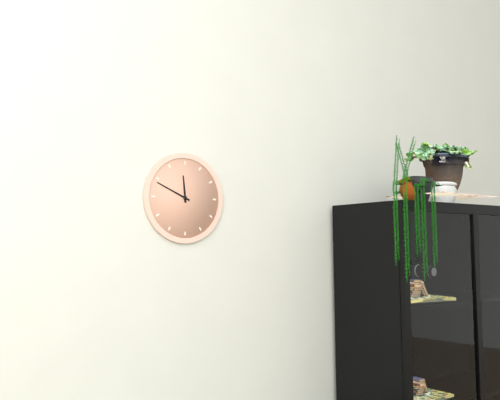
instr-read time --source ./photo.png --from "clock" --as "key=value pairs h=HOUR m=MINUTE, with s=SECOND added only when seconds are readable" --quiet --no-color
h=11 m=49
